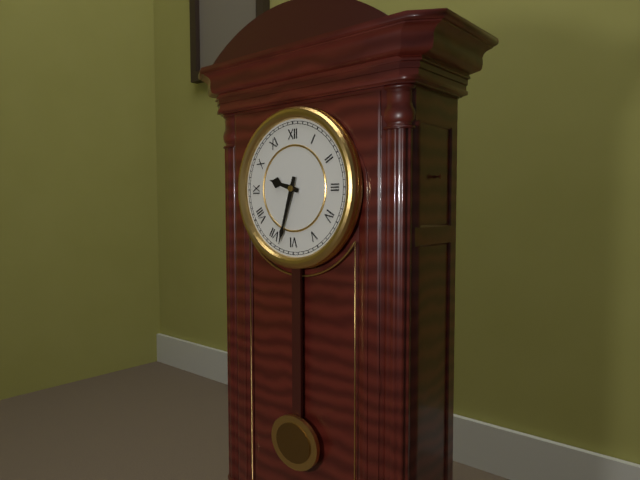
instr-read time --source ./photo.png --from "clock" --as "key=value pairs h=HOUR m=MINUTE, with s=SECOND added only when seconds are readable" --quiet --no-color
h=9 m=33
